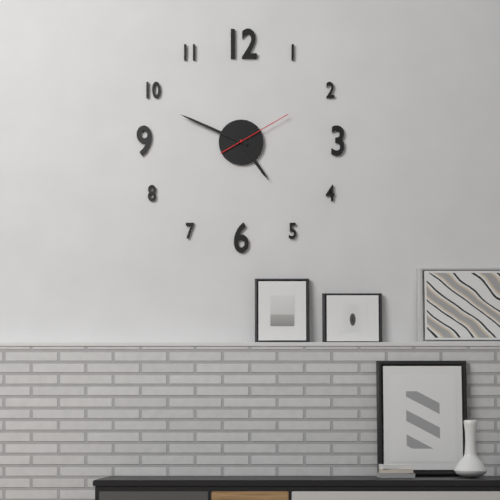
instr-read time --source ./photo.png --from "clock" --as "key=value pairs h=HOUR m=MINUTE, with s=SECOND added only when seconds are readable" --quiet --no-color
h=4 m=49 s=10
